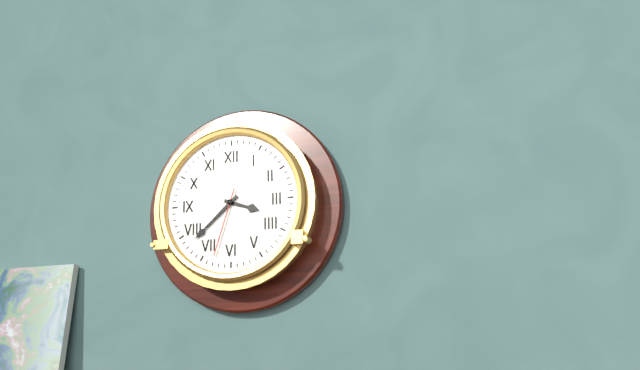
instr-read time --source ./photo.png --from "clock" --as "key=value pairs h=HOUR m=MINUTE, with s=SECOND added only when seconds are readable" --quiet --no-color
h=3 m=38 s=33
